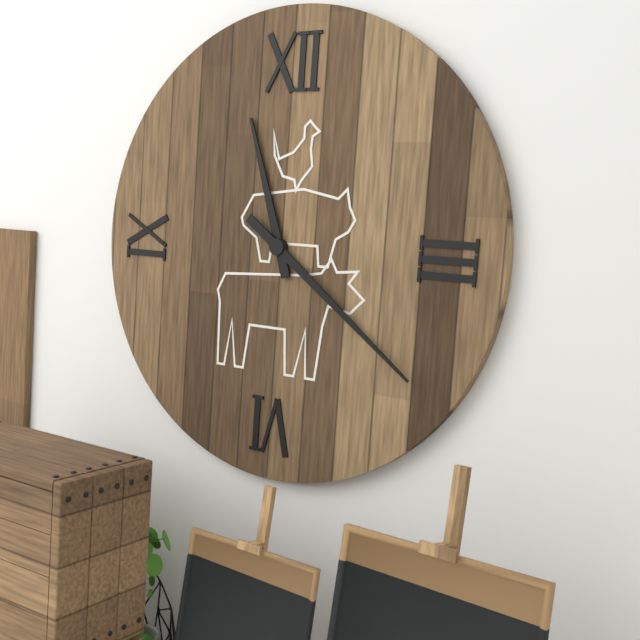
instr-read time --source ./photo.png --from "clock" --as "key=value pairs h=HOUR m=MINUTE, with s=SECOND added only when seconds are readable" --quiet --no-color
h=11 m=21
